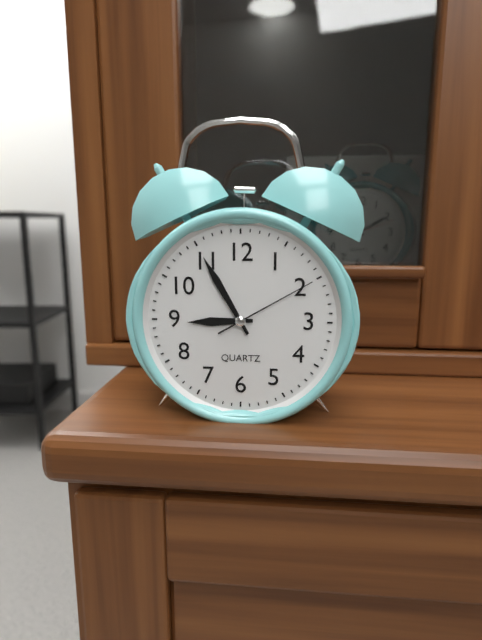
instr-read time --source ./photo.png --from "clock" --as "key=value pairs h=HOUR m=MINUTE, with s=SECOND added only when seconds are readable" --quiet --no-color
h=8 m=55 s=10
